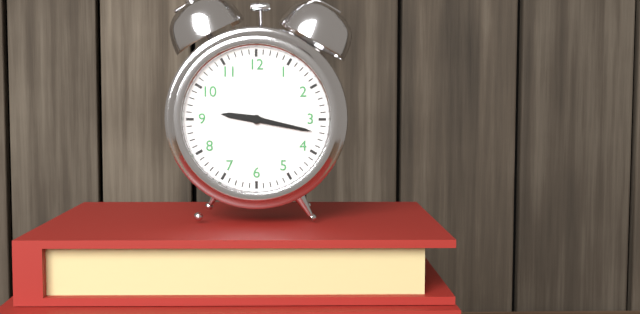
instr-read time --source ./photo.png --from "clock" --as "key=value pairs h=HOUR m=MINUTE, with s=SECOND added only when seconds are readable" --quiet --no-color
h=9 m=17
